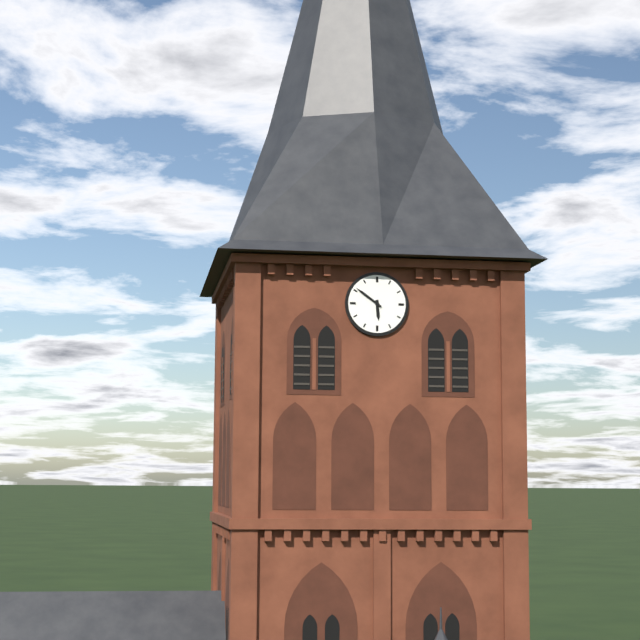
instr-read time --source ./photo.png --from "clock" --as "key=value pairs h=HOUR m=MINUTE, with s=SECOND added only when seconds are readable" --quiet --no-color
h=5 m=51
